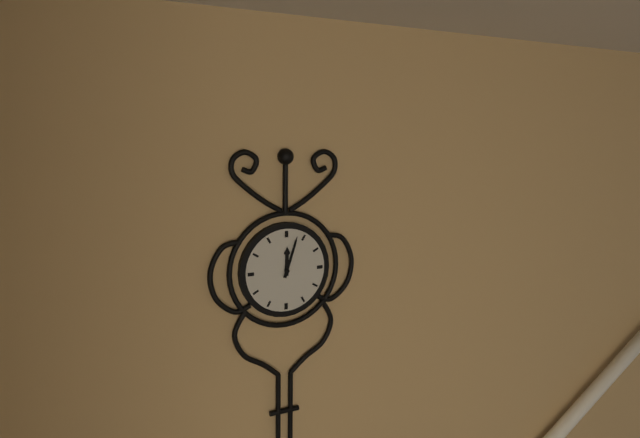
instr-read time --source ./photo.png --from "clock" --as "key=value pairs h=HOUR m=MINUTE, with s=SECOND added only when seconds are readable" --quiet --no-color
h=12 m=3
